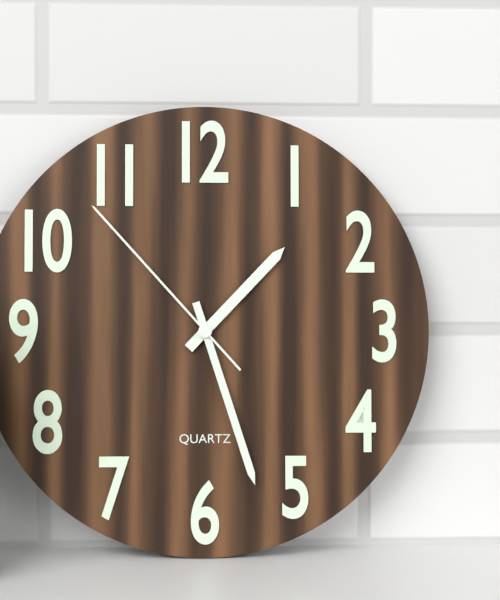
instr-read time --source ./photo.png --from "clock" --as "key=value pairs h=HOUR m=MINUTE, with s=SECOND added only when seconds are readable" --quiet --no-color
h=1 m=27 s=53
